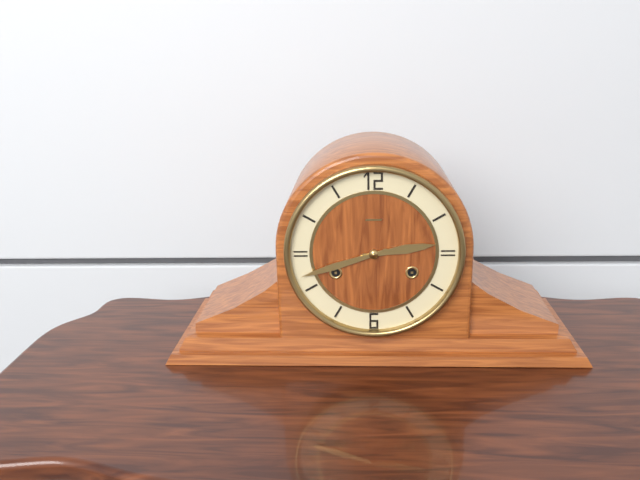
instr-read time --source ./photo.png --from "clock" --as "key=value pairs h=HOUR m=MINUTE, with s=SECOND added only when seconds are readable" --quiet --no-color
h=2 m=42
